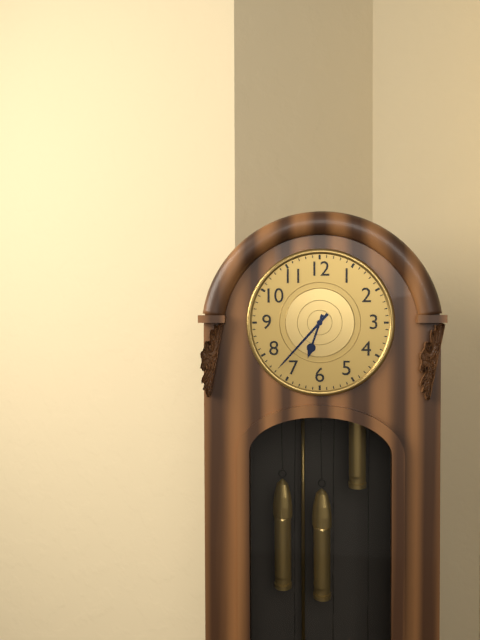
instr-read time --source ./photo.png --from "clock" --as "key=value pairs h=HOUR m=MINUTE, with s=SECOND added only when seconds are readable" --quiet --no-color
h=6 m=37
